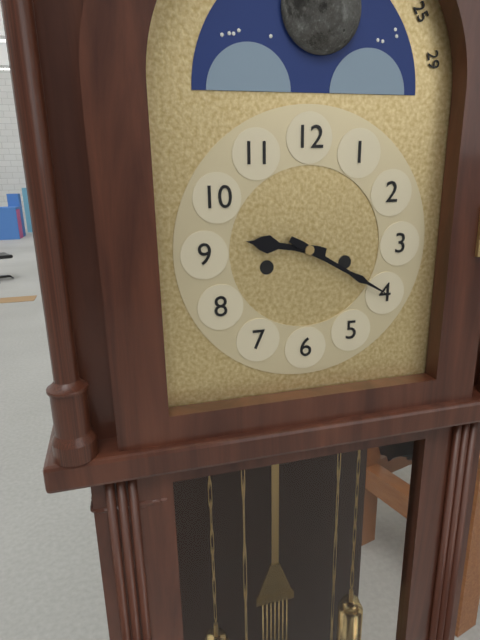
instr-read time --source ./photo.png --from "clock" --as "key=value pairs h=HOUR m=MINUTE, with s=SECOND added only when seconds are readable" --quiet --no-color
h=9 m=20
